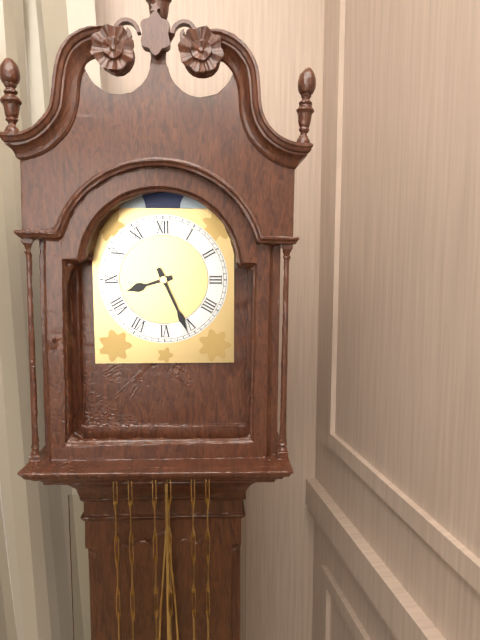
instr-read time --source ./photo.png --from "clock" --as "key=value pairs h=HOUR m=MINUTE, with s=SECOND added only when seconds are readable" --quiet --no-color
h=8 m=26
